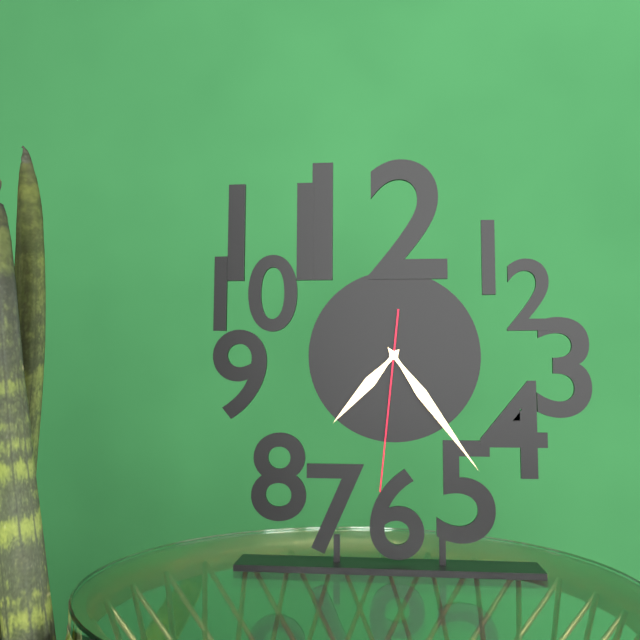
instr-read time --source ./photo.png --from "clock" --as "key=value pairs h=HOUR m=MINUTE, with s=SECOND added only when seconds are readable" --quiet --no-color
h=7 m=24 s=31
